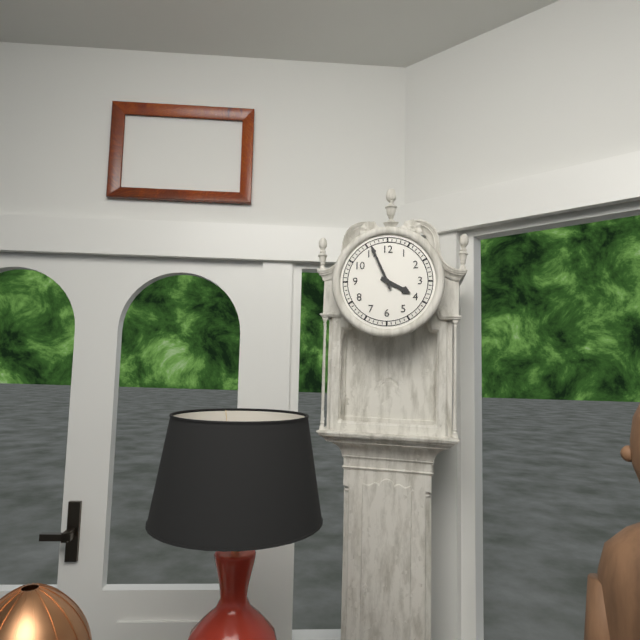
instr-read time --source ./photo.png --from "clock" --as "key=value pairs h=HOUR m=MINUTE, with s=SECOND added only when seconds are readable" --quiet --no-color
h=3 m=56
